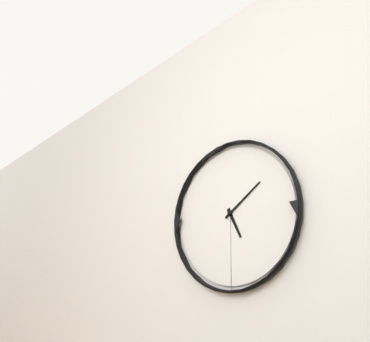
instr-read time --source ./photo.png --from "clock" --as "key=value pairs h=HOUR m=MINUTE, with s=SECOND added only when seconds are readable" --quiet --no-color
h=5 m=9
